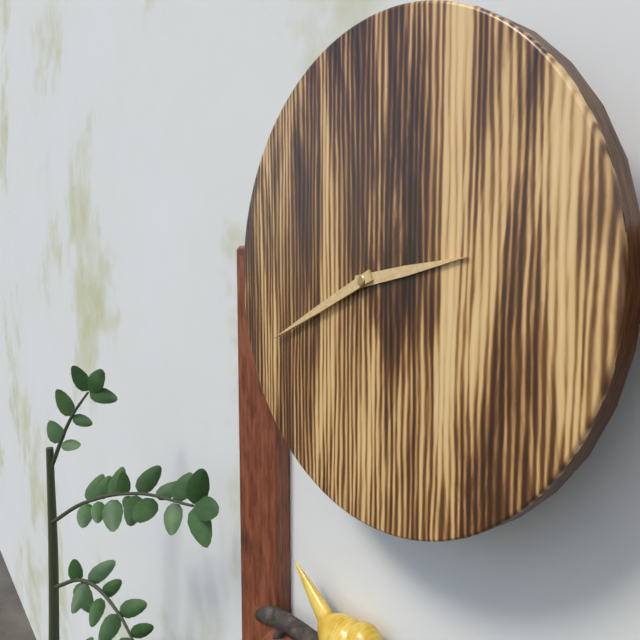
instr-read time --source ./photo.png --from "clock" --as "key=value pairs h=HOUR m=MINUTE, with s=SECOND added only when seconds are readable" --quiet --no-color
h=2 m=41
